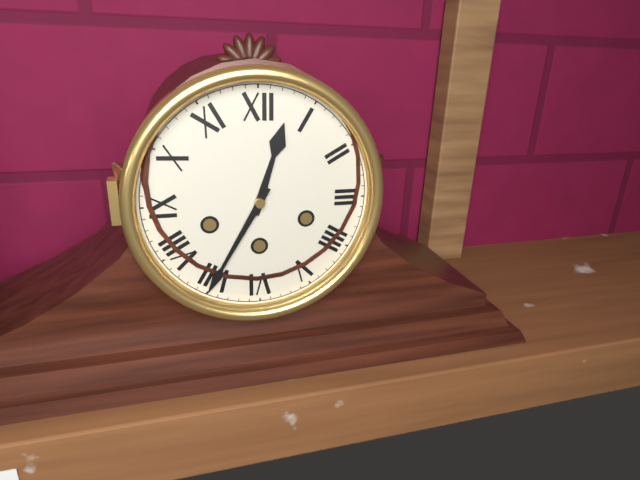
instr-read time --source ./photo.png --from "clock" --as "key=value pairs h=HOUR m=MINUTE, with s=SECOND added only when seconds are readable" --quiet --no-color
h=12 m=35
